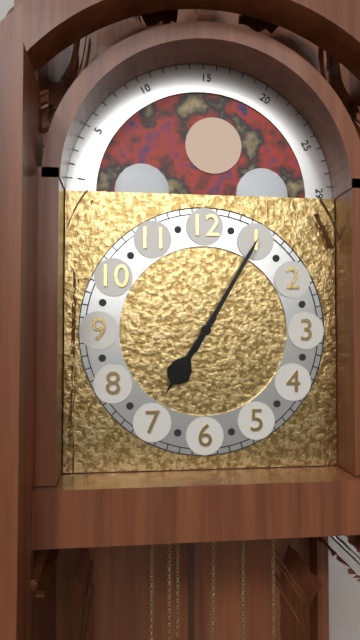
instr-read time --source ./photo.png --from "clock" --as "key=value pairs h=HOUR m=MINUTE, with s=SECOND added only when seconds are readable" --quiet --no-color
h=7 m=5
